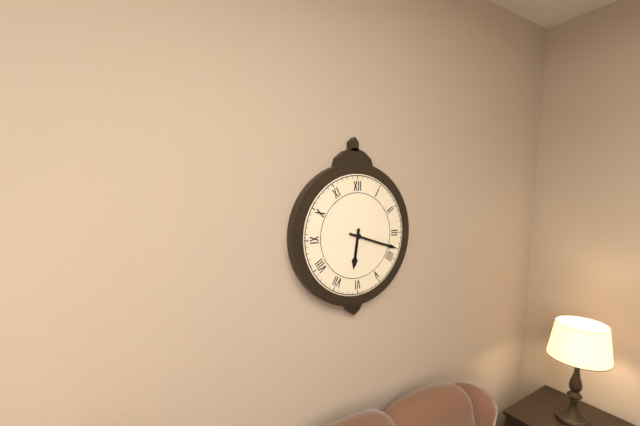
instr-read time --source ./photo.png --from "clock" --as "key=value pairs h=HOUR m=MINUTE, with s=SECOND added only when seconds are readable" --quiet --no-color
h=6 m=18
